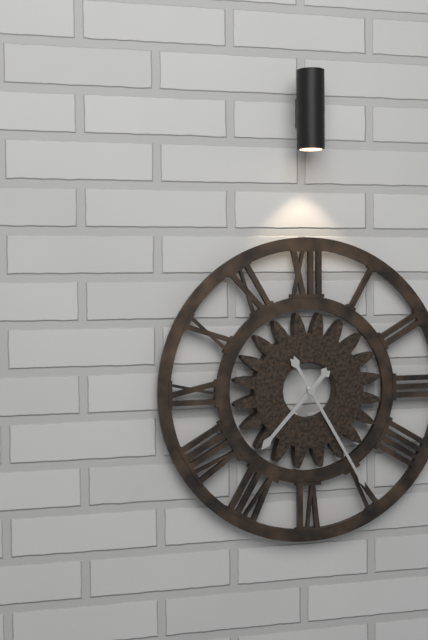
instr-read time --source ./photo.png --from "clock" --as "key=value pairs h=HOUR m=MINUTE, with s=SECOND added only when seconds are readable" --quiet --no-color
h=7 m=25
